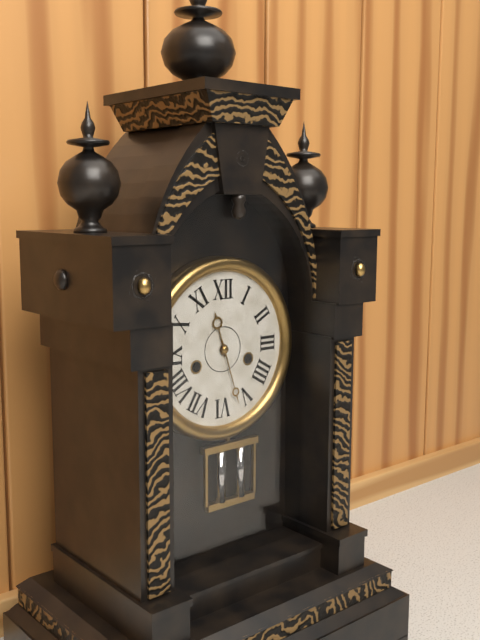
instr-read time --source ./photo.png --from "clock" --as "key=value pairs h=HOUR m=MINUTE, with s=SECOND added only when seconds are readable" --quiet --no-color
h=11 m=27
